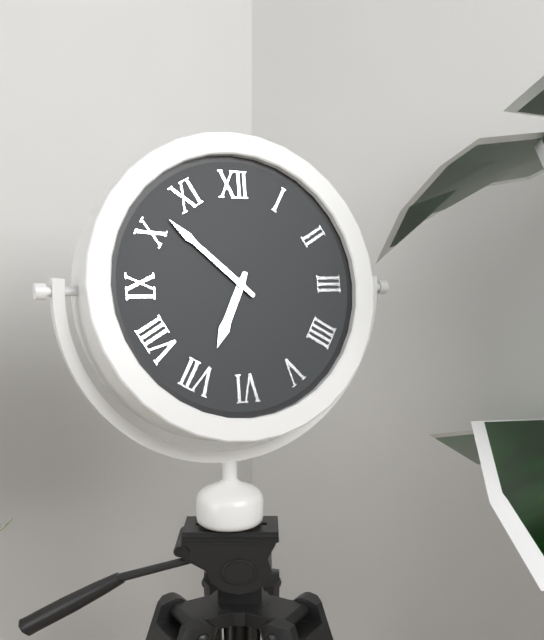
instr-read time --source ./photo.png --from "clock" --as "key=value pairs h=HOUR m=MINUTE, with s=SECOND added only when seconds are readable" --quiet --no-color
h=6 m=52
